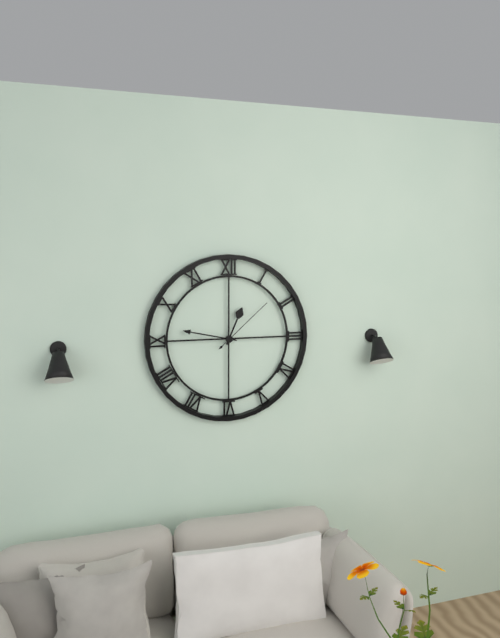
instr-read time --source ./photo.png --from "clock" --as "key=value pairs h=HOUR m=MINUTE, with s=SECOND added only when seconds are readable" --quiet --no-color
h=12 m=47 s=8
